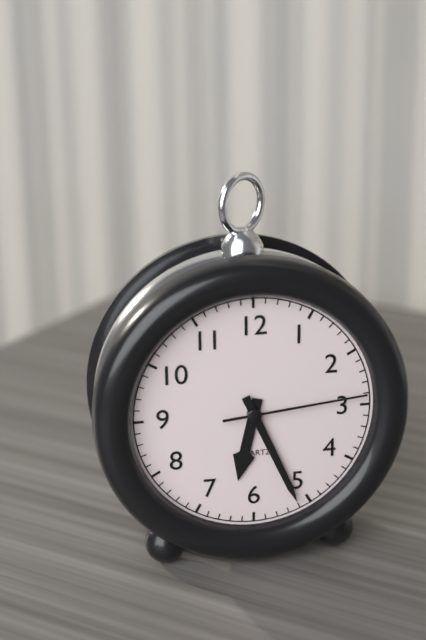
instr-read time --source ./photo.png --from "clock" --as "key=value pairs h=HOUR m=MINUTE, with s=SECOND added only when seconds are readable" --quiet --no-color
h=6 m=26 s=14
